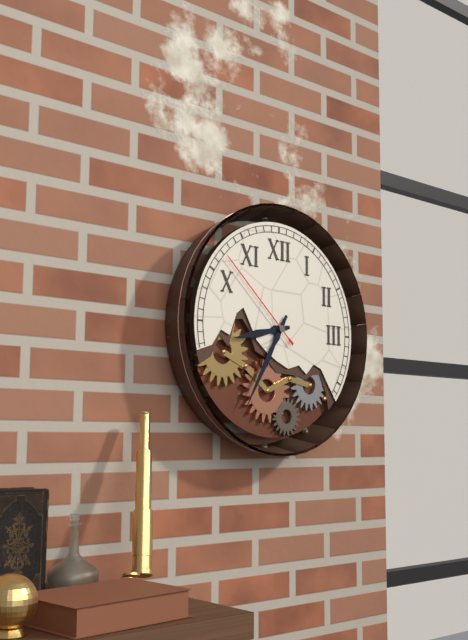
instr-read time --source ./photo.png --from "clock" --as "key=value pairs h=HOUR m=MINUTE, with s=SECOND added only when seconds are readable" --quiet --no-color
h=8 m=35 s=52
